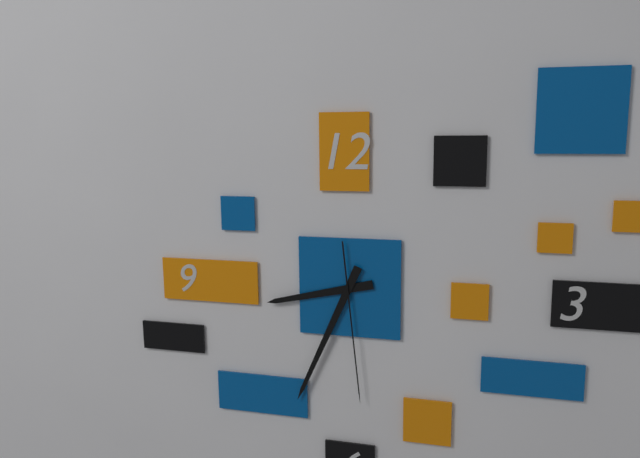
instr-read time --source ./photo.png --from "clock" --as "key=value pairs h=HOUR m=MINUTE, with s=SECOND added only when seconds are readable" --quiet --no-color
h=8 m=34 s=29
